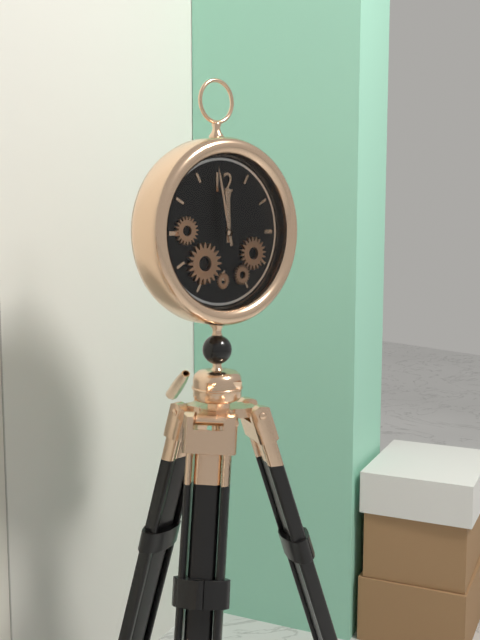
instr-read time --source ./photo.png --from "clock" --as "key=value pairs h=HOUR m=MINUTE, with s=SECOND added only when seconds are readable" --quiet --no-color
h=11 m=58
